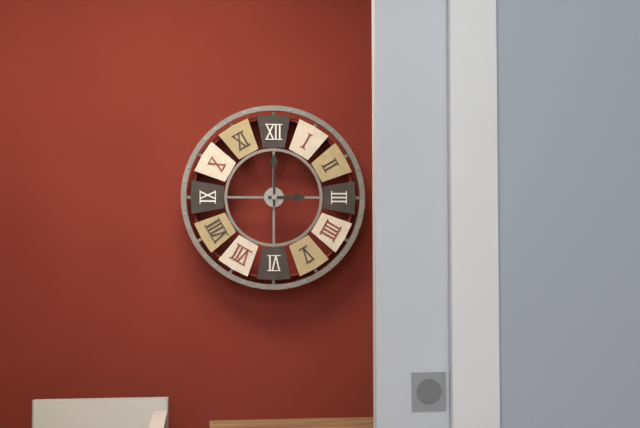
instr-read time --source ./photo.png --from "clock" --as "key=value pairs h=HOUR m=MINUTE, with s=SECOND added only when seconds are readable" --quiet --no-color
h=3 m=0
